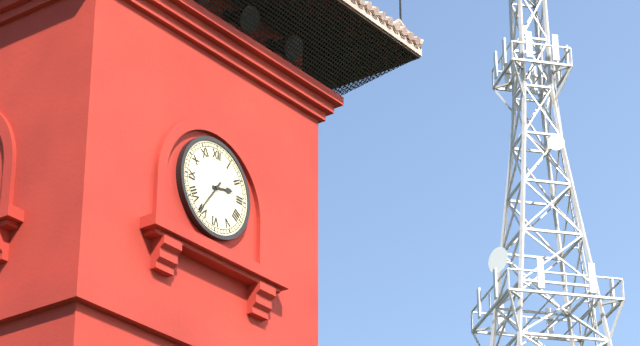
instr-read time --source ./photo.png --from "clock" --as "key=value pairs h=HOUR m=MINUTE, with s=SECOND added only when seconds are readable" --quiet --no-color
h=2 m=36
